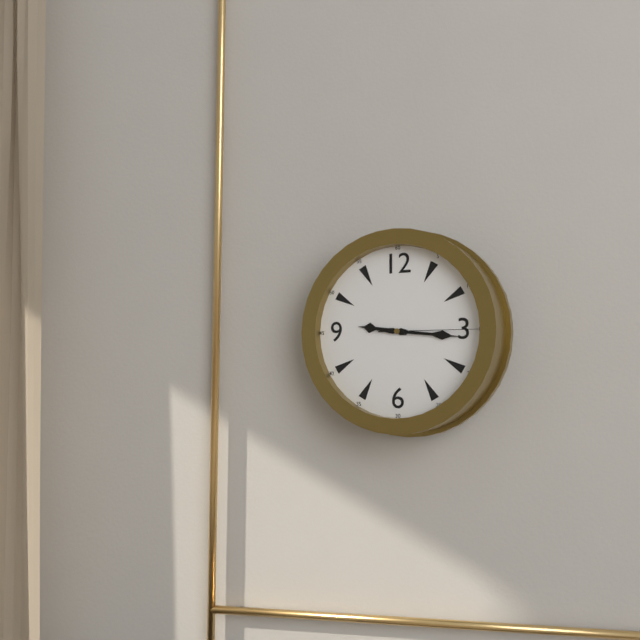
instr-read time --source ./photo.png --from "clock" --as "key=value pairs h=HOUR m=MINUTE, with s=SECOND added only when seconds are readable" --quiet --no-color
h=9 m=16 s=15
